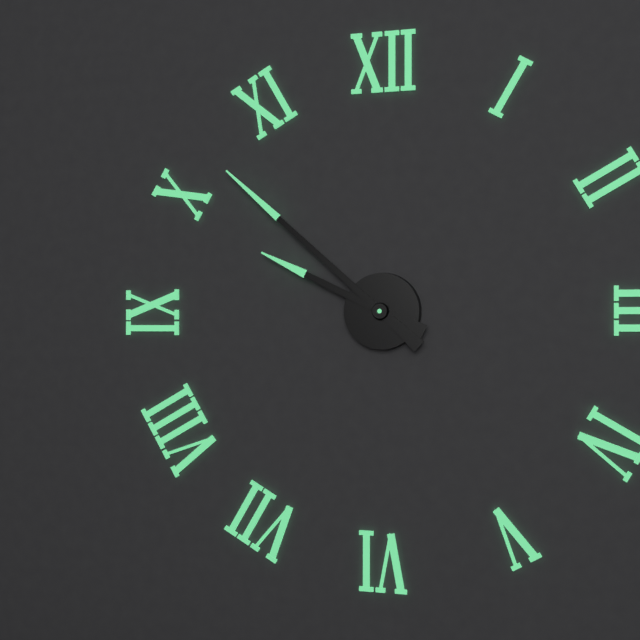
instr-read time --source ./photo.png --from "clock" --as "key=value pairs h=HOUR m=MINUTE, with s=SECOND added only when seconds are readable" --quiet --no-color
h=9 m=52
